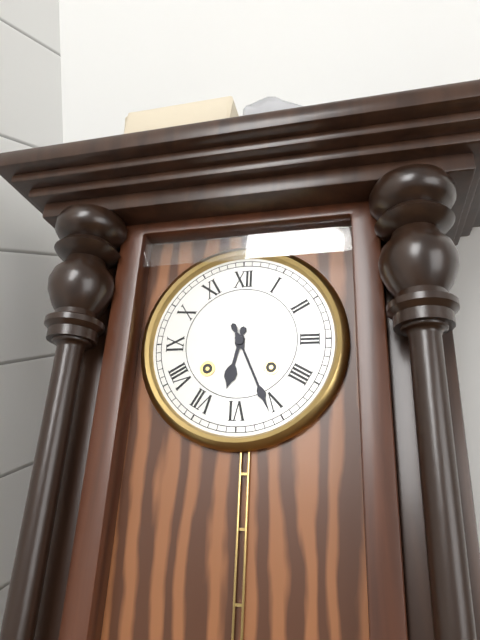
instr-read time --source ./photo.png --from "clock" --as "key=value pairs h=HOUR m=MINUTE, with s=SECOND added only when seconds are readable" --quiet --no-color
h=6 m=26
